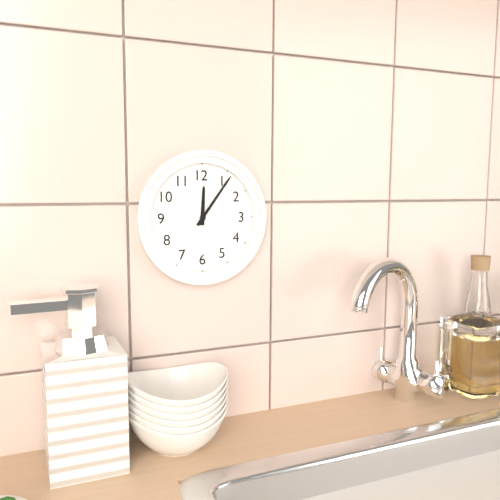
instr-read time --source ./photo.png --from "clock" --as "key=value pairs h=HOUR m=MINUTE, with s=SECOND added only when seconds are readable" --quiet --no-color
h=12 m=6
